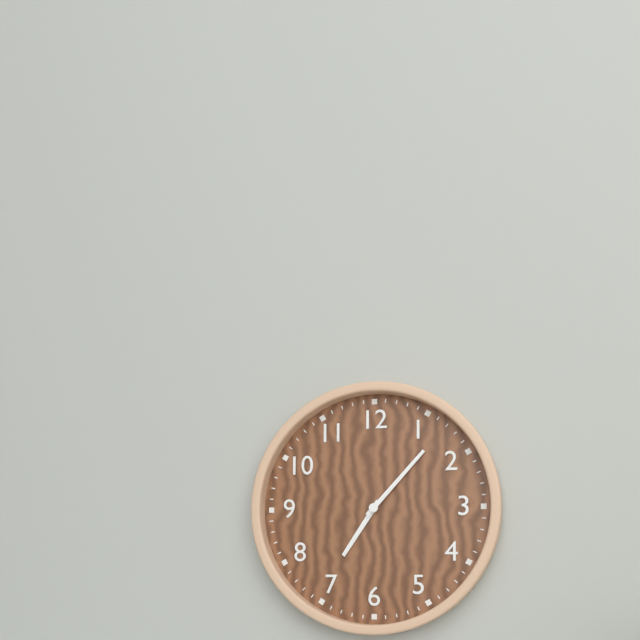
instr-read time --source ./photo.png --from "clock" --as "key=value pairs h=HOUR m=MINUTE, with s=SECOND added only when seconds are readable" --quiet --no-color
h=7 m=7
